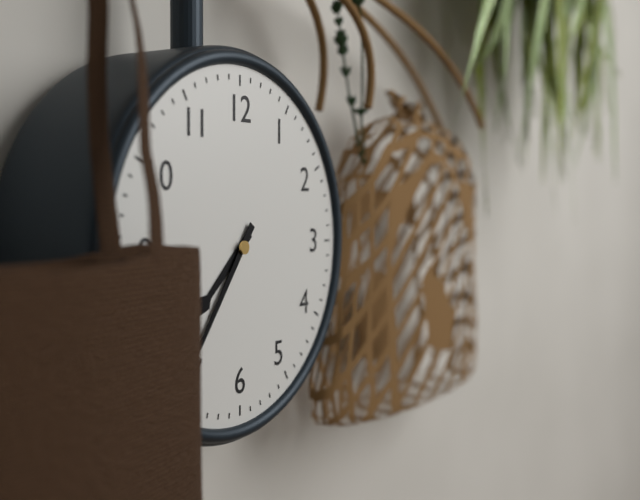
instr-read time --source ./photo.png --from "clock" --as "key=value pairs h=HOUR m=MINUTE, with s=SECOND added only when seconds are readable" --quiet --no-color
h=7 m=36
